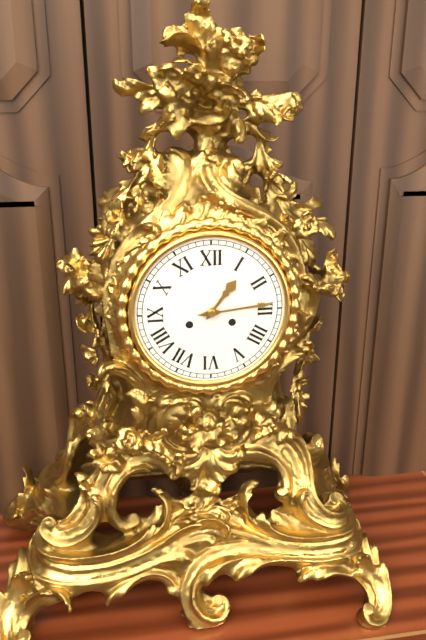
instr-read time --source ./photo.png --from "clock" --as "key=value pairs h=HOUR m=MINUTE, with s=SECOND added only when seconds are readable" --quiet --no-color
h=1 m=14
